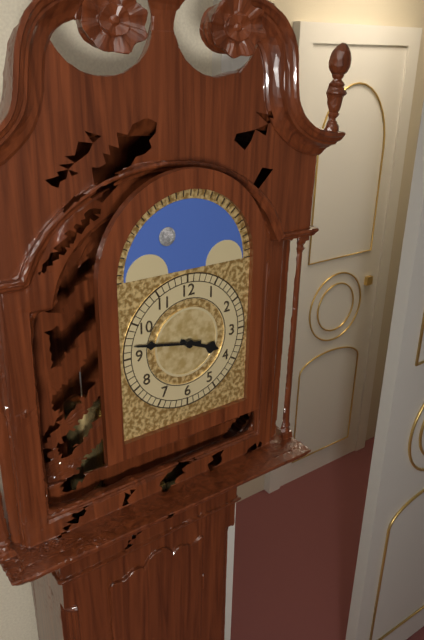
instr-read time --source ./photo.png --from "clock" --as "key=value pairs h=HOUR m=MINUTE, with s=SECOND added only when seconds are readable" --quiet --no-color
h=3 m=47
